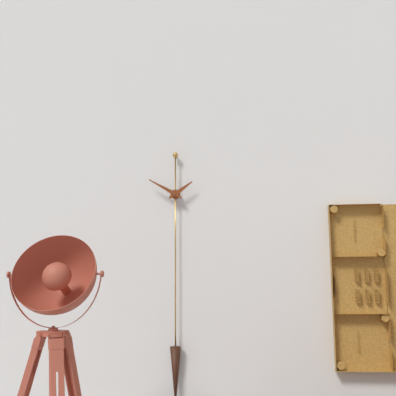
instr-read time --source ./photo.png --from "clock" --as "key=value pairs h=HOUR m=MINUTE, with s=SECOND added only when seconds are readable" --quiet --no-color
h=1 m=50
